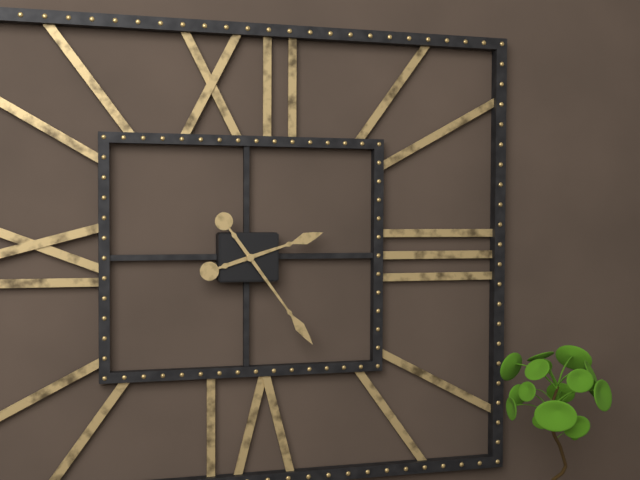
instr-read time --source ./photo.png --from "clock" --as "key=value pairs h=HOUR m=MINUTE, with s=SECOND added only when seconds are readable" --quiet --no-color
h=2 m=24
